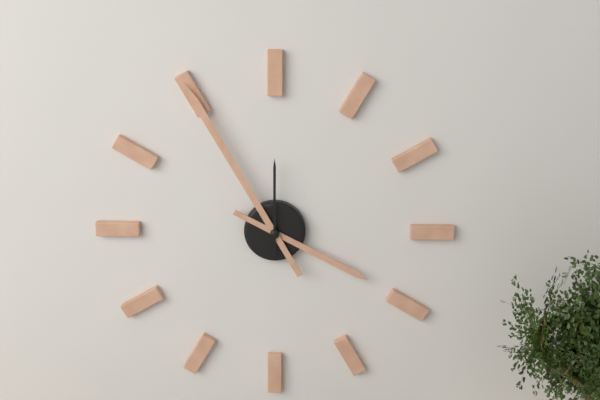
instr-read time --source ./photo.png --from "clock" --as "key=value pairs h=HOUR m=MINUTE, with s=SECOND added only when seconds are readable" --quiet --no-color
h=3 m=55 s=0
